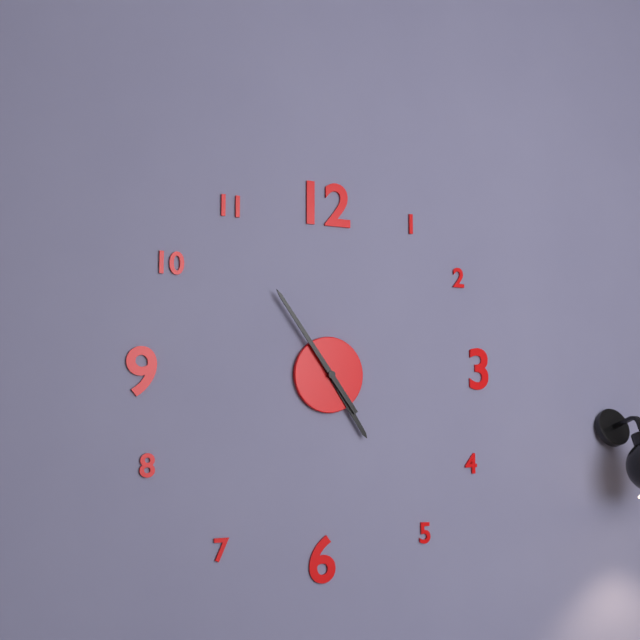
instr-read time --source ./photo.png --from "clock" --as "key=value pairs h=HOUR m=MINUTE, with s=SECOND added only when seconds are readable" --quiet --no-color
h=4 m=54
